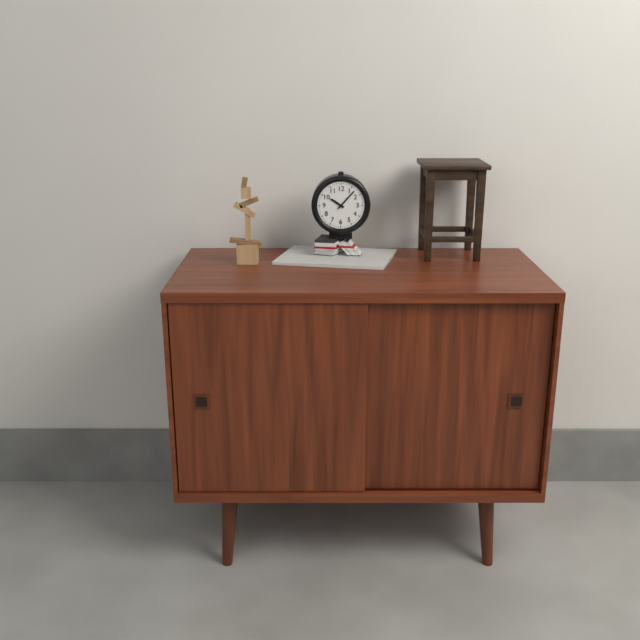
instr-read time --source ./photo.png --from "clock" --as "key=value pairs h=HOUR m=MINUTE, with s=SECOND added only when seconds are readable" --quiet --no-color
h=10 m=7
